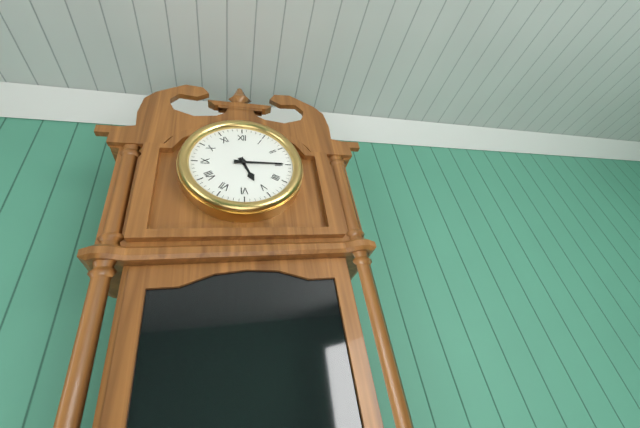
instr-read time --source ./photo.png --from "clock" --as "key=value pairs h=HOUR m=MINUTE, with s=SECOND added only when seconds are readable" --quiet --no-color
h=5 m=15
